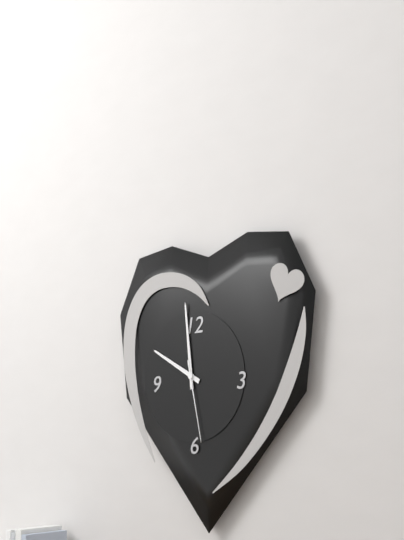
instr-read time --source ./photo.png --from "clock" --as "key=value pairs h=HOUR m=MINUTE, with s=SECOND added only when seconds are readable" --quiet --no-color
h=9 m=59 s=28
